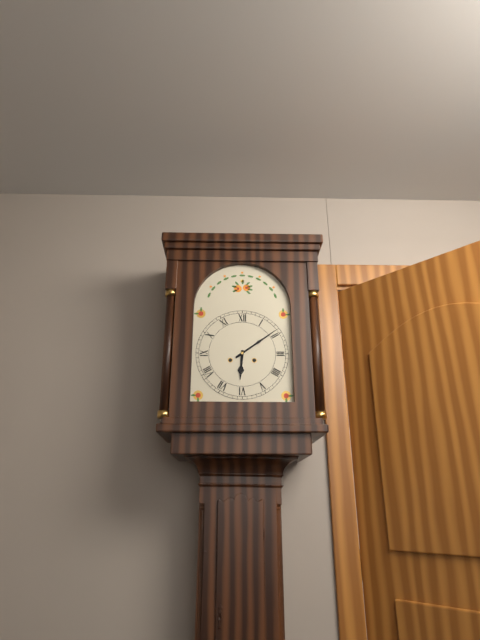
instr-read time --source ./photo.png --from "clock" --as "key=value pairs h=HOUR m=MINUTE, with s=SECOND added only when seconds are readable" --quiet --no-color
h=6 m=9
